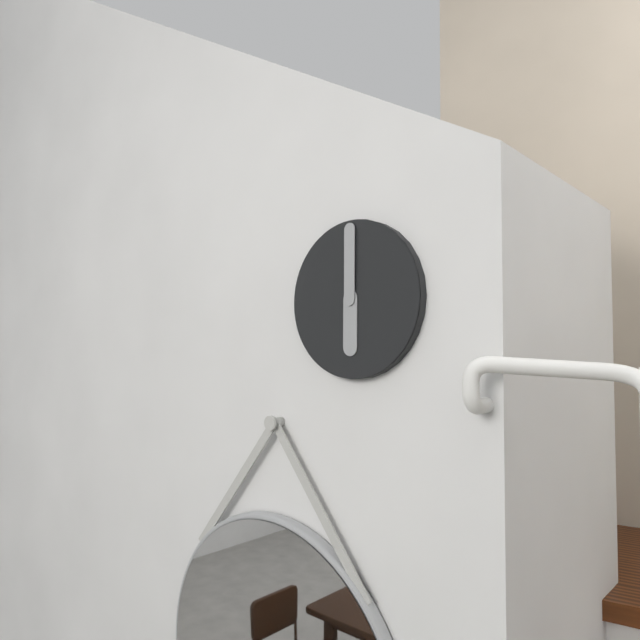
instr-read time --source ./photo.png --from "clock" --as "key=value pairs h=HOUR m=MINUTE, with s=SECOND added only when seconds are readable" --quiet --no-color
h=6 m=0
